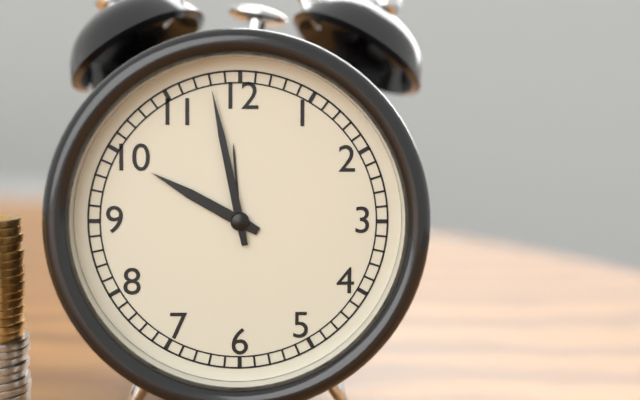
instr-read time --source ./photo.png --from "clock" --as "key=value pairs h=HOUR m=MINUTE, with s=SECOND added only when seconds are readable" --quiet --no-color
h=9 m=58
